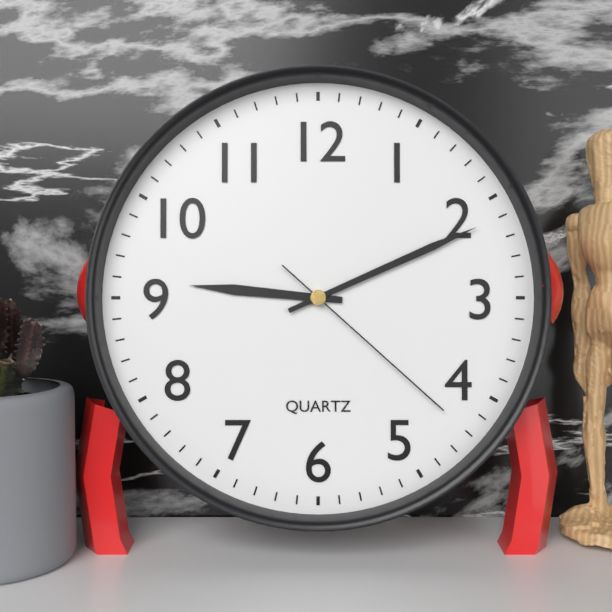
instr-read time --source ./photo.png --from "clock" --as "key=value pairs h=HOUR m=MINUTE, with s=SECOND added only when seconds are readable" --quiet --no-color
h=9 m=11 s=22
